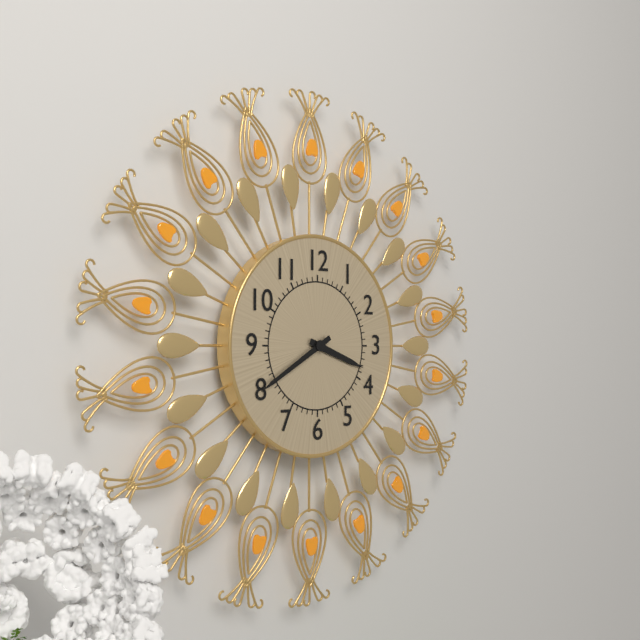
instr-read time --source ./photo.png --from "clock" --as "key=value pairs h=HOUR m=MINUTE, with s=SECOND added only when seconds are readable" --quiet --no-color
h=3 m=40
